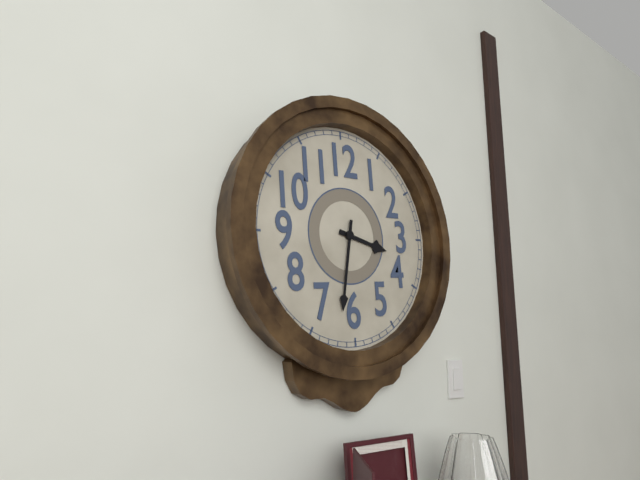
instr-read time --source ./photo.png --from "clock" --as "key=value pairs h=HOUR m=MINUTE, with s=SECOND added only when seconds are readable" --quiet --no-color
h=3 m=32
